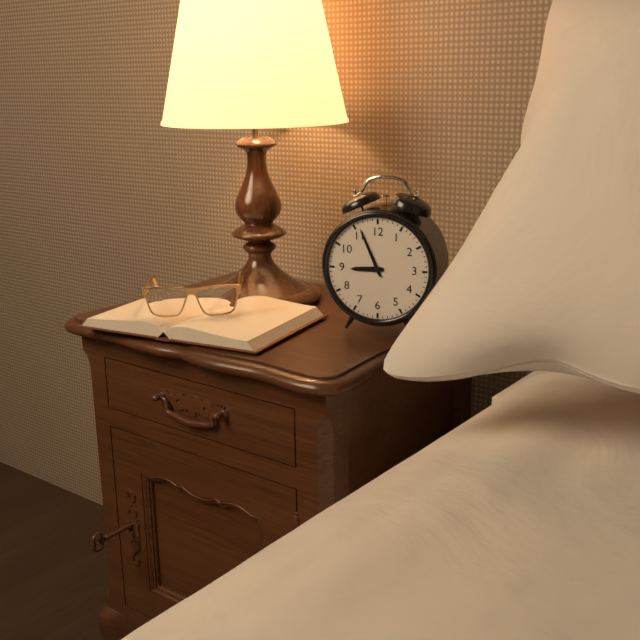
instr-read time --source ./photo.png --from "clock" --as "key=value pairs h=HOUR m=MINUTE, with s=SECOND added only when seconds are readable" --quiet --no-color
h=8 m=56
